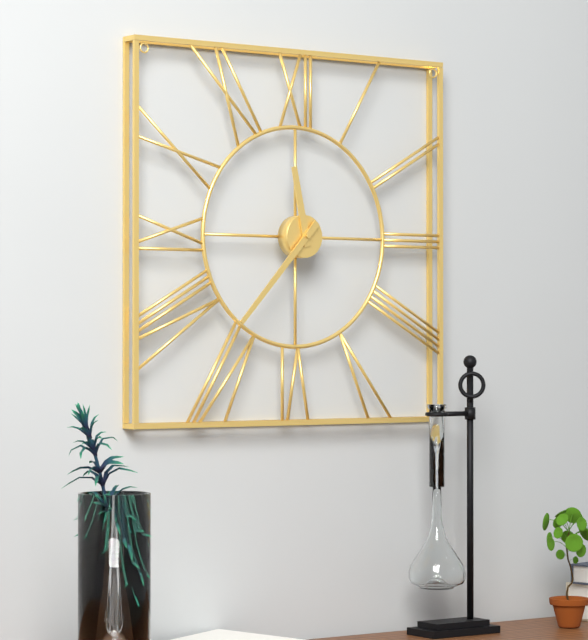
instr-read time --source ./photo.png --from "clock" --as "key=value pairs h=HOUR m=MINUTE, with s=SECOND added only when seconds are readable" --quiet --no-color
h=11 m=37
